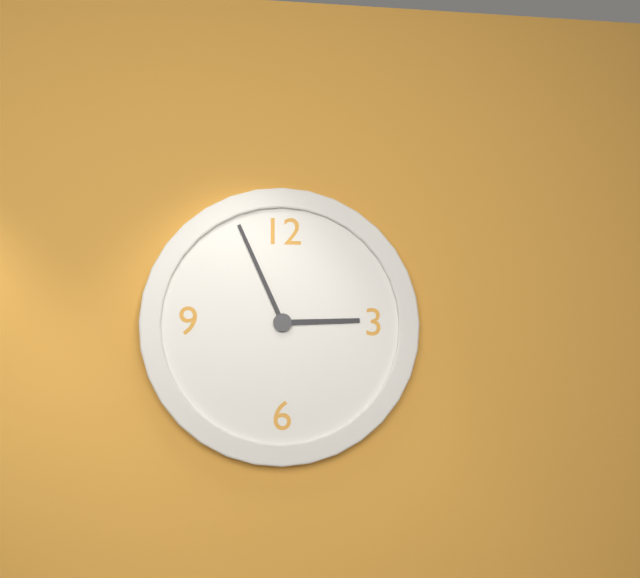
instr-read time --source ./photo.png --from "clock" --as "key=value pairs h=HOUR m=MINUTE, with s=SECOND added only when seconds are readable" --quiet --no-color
h=2 m=56
